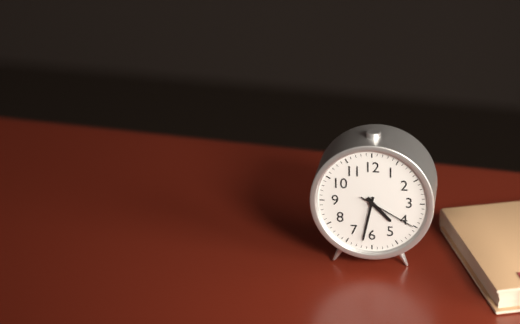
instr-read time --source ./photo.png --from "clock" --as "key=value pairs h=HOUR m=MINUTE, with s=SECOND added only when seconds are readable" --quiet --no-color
h=4 m=32 s=20
